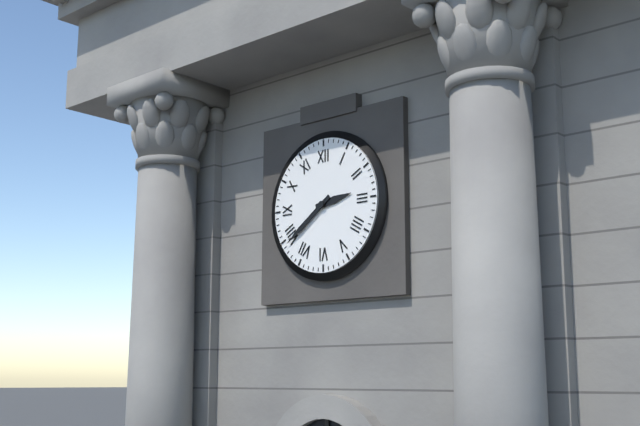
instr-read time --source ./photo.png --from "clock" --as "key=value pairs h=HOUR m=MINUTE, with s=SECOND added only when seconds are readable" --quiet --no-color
h=2 m=39
